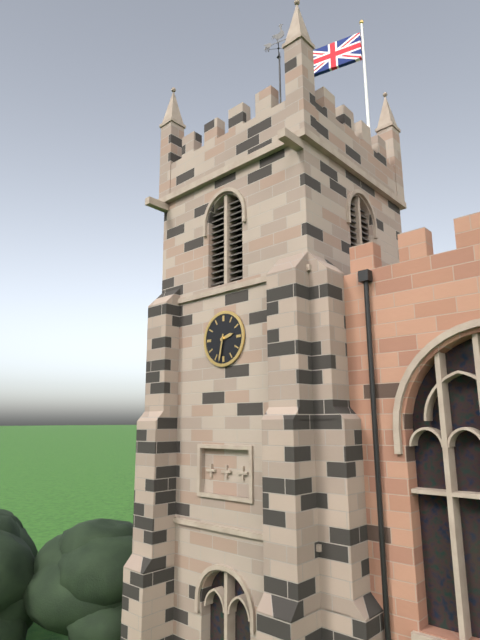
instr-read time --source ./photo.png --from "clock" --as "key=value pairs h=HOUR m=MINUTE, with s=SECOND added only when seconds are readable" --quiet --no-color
h=2 m=32
